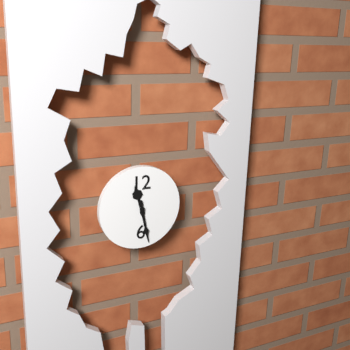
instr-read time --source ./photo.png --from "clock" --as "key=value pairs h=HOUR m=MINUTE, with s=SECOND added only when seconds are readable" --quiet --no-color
h=11 m=28
